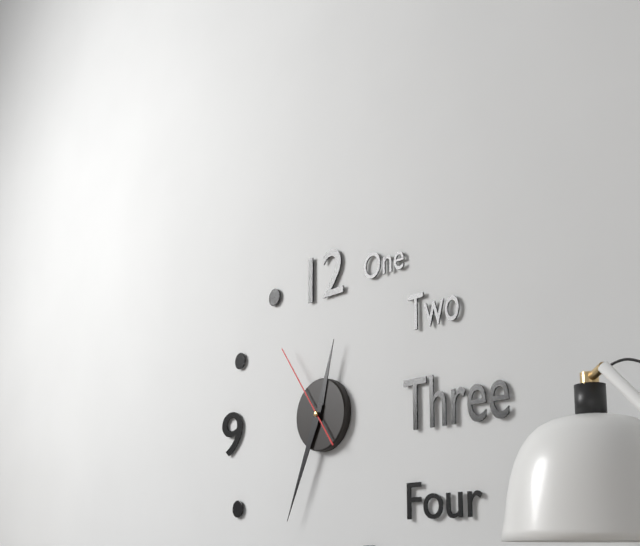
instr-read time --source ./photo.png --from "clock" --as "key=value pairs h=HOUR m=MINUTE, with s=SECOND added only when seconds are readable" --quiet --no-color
h=12 m=34 s=54
